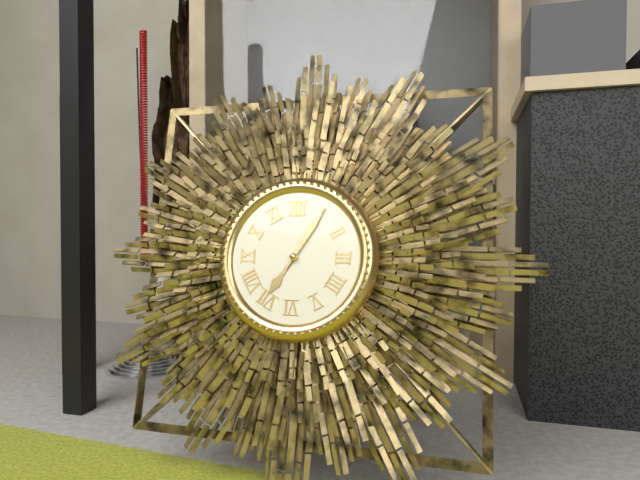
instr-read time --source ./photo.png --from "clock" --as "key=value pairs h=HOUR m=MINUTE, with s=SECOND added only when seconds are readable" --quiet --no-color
h=7 m=5
